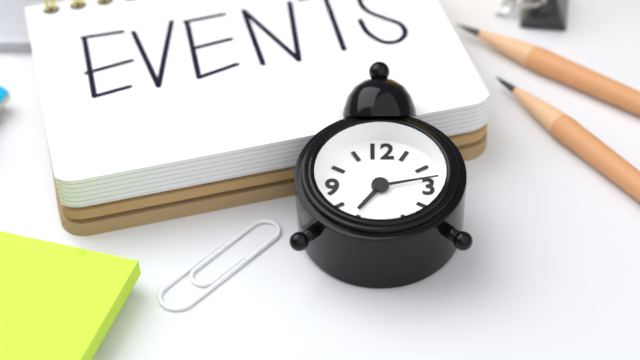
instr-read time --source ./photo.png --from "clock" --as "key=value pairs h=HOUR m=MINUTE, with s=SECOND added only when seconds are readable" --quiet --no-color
h=7 m=13
